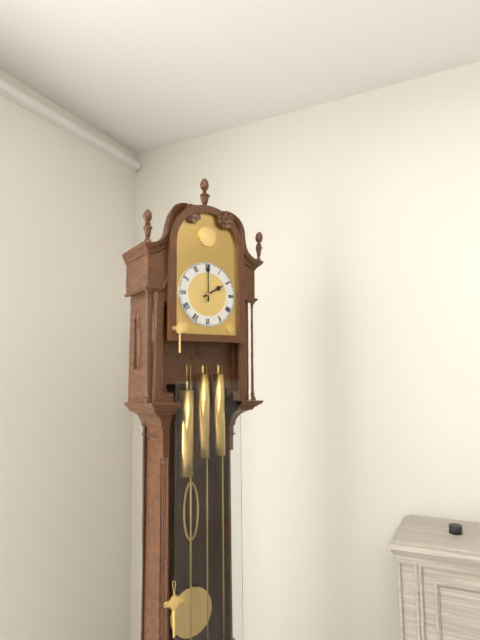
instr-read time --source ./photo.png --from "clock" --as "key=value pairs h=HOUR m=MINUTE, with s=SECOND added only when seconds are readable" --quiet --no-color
h=2 m=0
